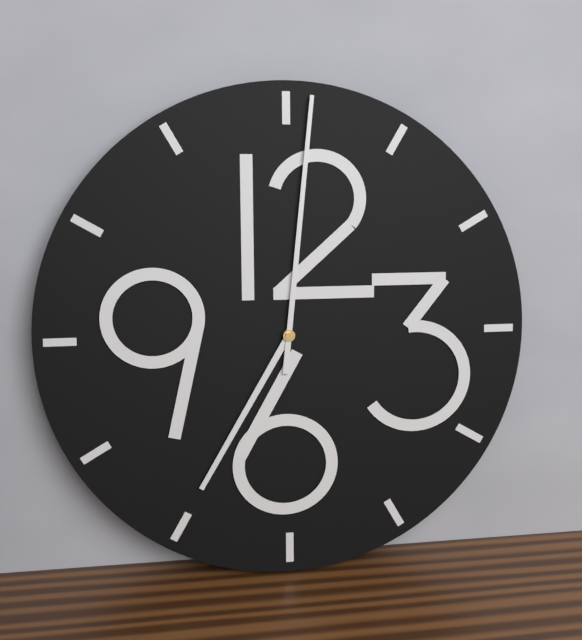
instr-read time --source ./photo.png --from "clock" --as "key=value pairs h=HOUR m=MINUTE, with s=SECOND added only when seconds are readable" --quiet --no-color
h=7 m=1
